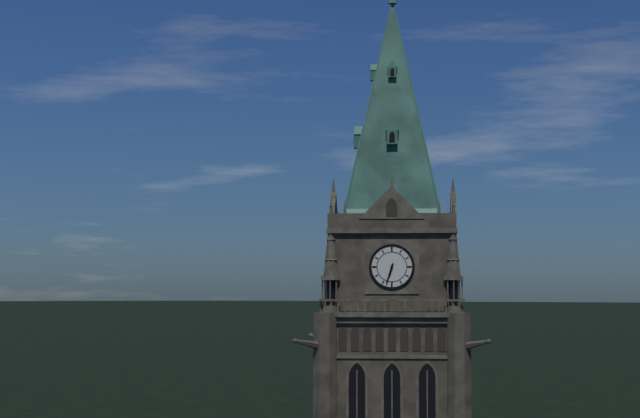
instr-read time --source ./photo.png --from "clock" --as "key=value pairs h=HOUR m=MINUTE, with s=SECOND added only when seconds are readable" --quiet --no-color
h=6 m=33
